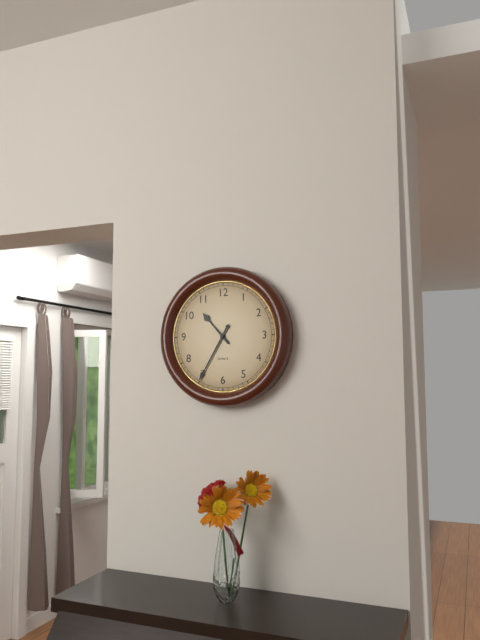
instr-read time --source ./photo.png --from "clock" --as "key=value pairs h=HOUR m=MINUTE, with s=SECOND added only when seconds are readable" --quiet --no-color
h=10 m=35
